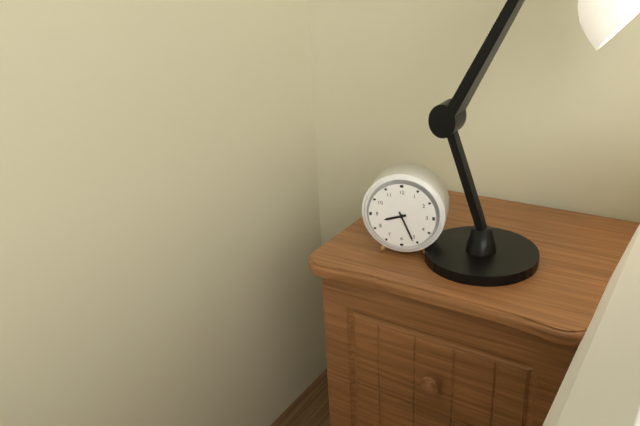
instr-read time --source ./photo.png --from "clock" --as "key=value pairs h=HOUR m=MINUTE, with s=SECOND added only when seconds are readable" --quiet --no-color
h=8 m=26
